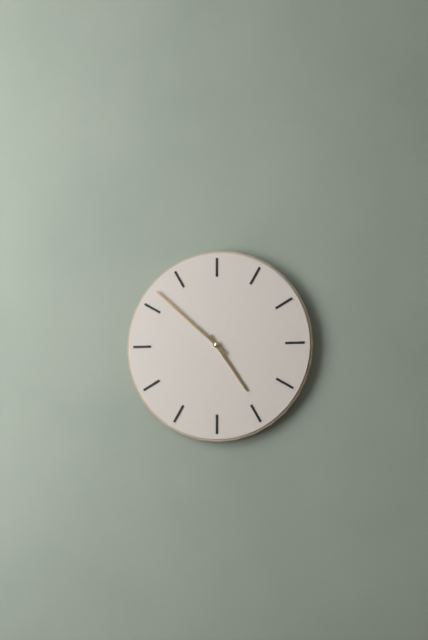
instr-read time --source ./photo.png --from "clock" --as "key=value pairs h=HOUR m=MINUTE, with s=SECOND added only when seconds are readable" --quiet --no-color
h=4 m=52
